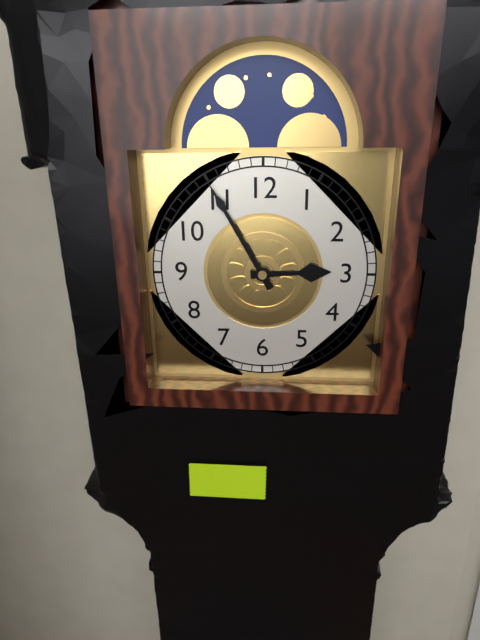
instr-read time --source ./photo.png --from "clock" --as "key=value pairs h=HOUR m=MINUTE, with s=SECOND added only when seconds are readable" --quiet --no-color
h=2 m=55
